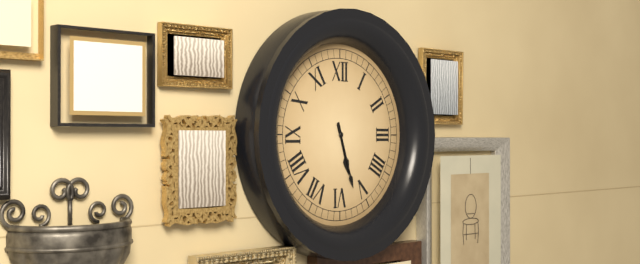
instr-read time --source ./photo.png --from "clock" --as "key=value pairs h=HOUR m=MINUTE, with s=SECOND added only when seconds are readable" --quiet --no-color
h=5 m=27
